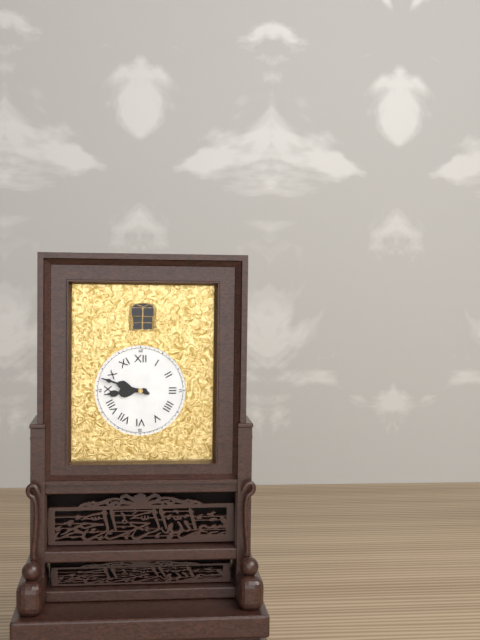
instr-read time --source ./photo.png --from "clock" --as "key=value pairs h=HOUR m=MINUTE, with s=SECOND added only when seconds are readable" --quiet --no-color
h=8 m=48
